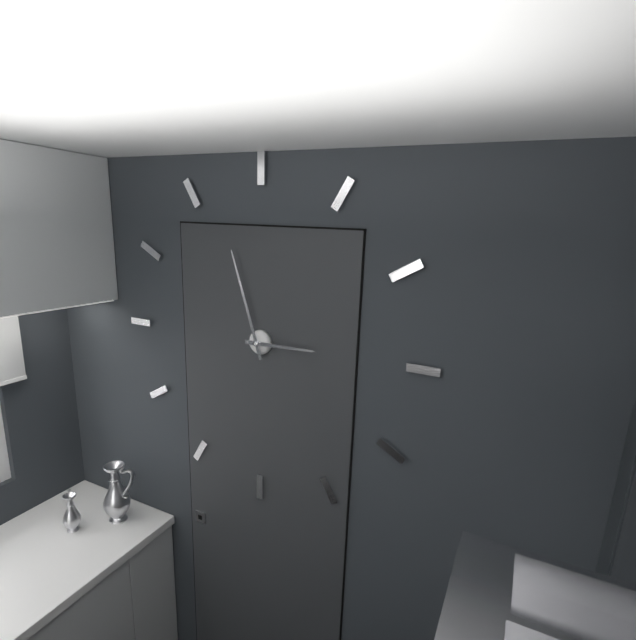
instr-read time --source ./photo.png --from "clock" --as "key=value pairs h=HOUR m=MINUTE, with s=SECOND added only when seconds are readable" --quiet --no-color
h=2 m=57
